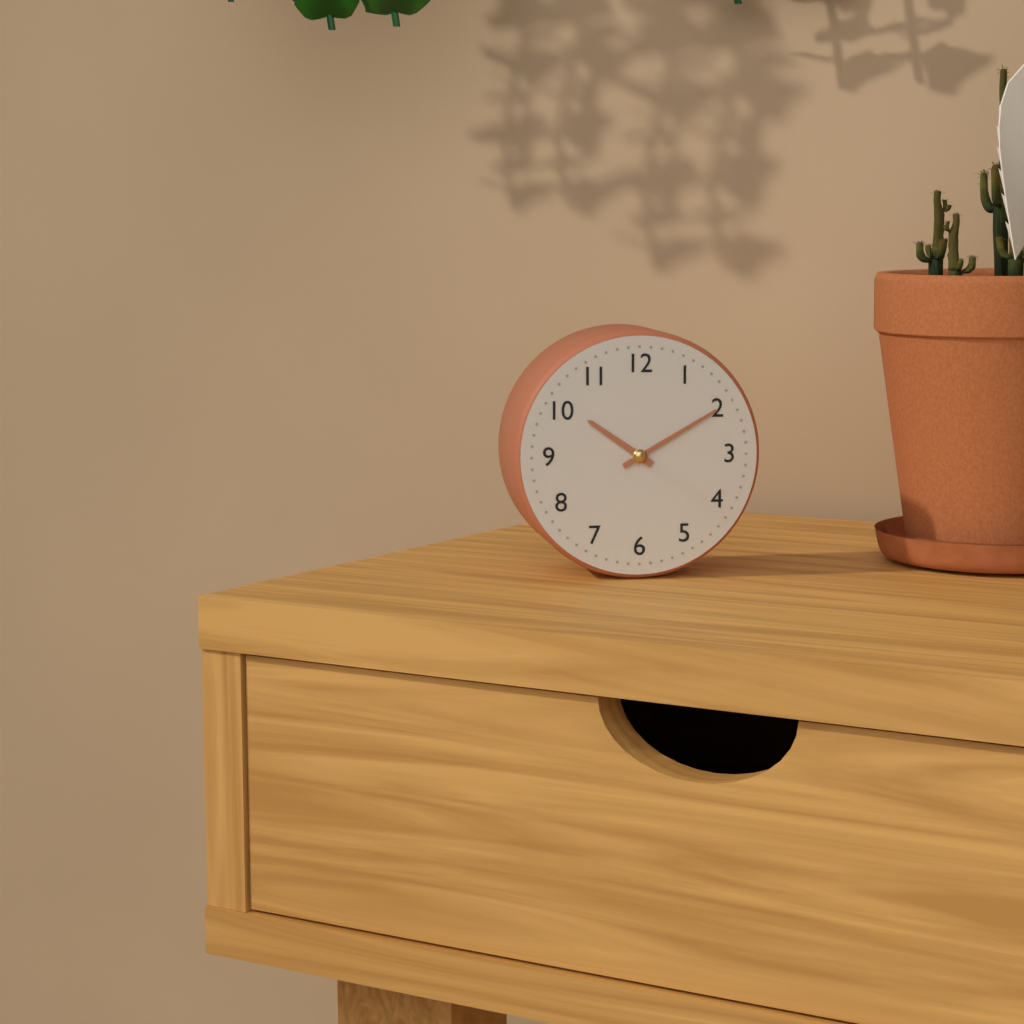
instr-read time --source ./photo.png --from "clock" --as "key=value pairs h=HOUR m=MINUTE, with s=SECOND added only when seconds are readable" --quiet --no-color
h=10 m=10
